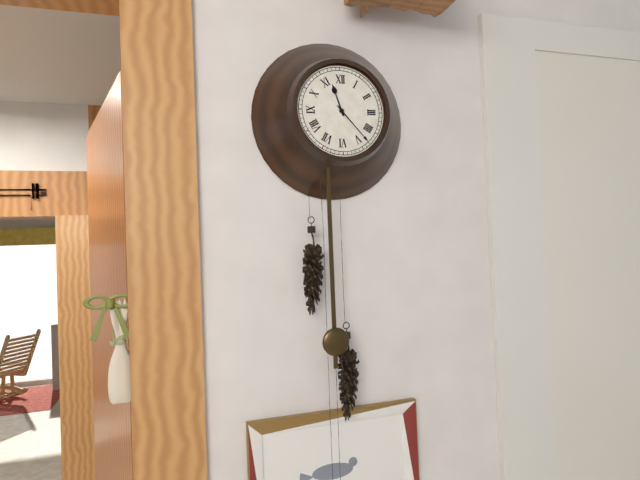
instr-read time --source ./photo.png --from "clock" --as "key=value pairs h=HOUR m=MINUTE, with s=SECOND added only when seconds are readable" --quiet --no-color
h=11 m=23
